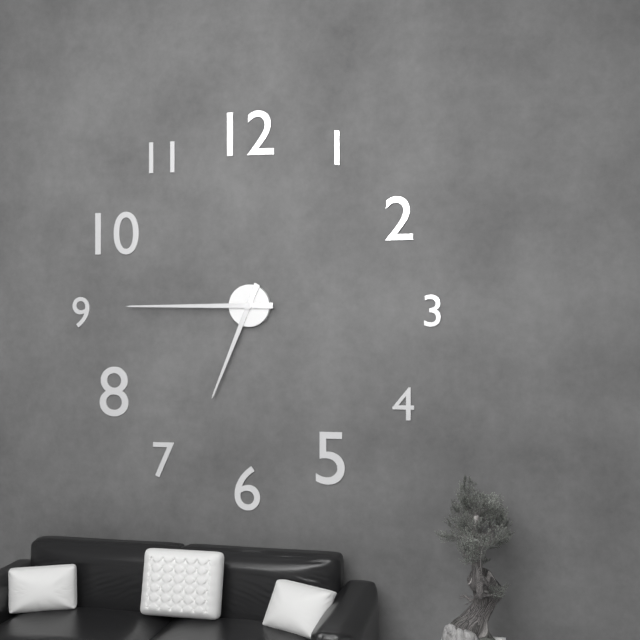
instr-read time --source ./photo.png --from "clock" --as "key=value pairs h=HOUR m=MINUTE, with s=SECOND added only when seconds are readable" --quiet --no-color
h=6 m=45
